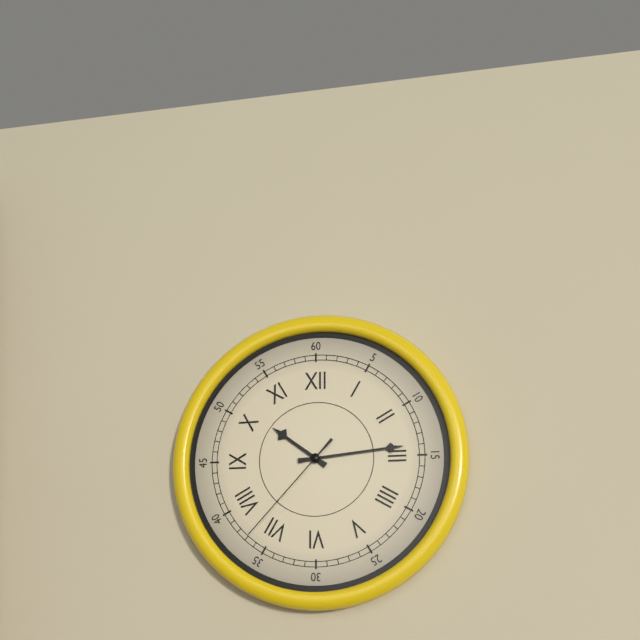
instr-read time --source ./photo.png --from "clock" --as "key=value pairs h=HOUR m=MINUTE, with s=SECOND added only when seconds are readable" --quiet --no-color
h=10 m=14 s=37
